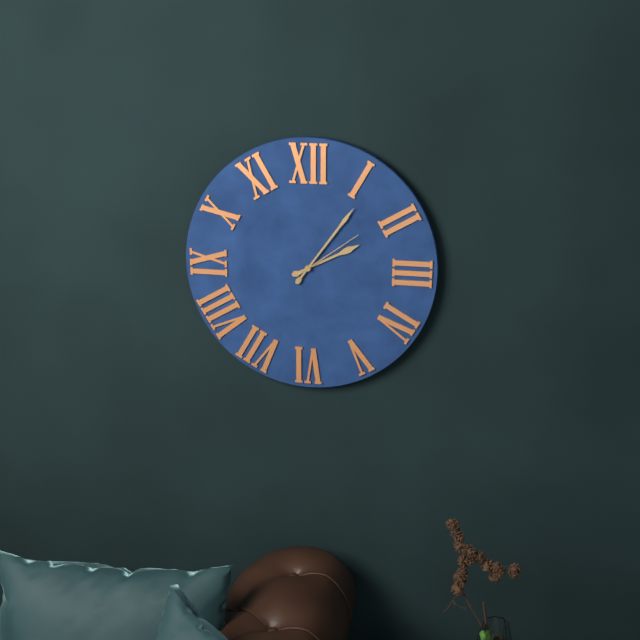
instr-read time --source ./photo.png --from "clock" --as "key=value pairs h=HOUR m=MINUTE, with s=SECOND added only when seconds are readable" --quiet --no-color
h=2 m=6 s=9
